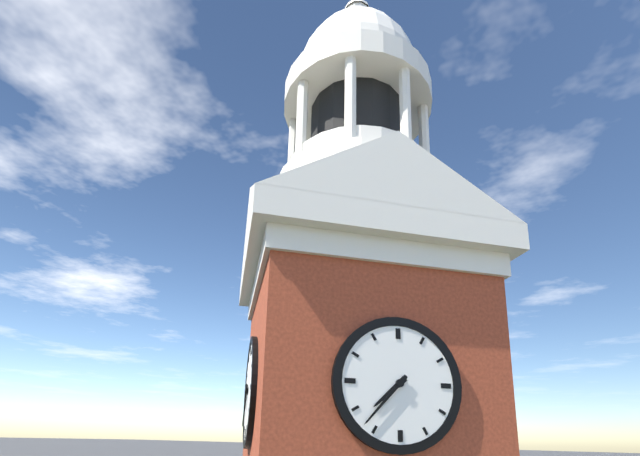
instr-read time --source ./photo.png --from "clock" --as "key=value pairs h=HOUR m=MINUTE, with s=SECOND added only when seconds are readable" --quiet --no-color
h=7 m=37
